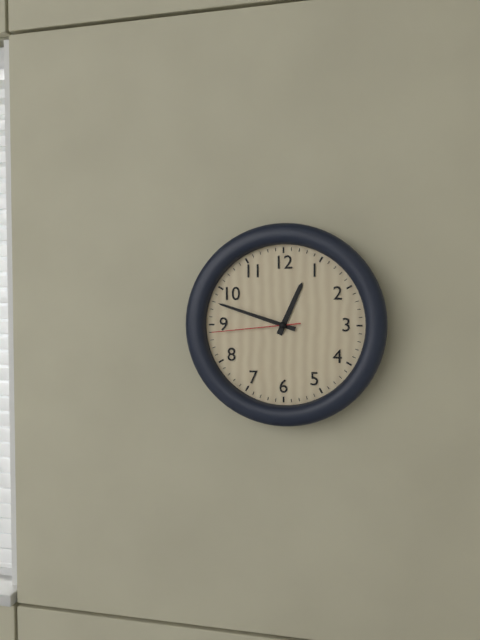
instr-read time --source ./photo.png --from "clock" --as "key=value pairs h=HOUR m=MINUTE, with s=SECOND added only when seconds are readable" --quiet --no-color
h=12 m=48 s=44
